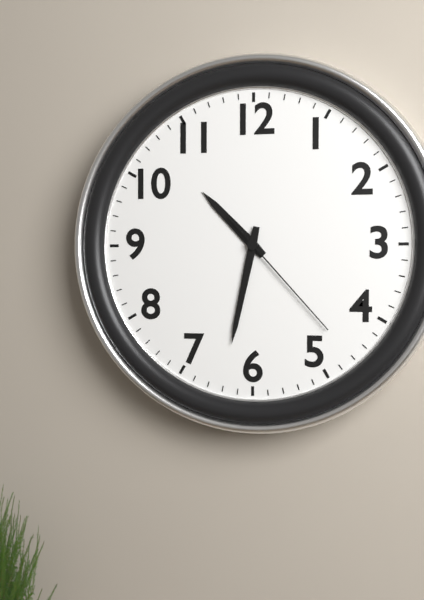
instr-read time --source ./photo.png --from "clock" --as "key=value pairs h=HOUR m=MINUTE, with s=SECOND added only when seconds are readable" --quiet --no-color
h=10 m=32 s=23
